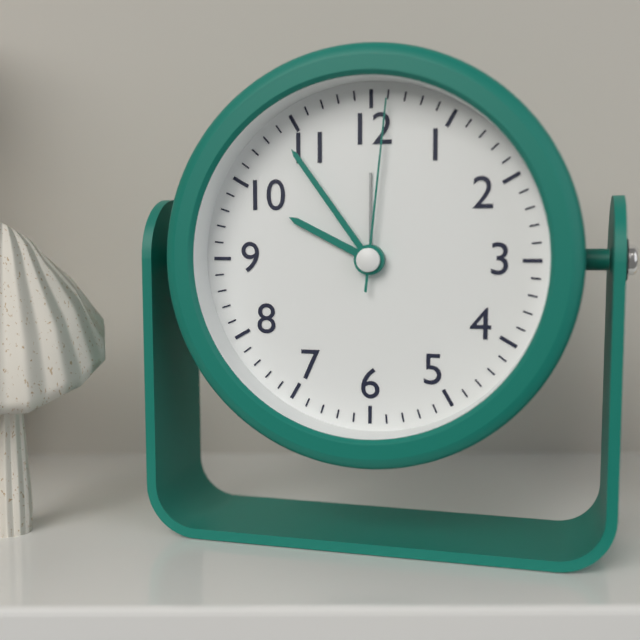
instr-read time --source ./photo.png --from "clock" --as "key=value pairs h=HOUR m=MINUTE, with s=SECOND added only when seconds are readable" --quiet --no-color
h=9 m=54 s=1
